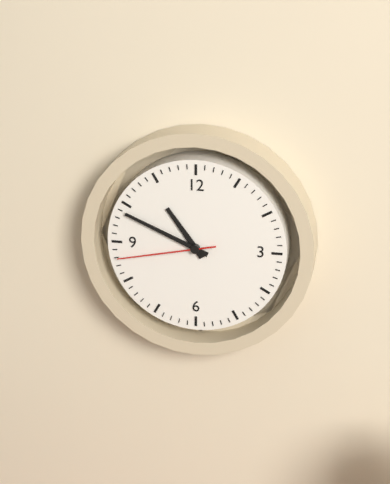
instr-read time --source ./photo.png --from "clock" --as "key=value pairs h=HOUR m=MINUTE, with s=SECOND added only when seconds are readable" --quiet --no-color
h=10 m=49 s=43
